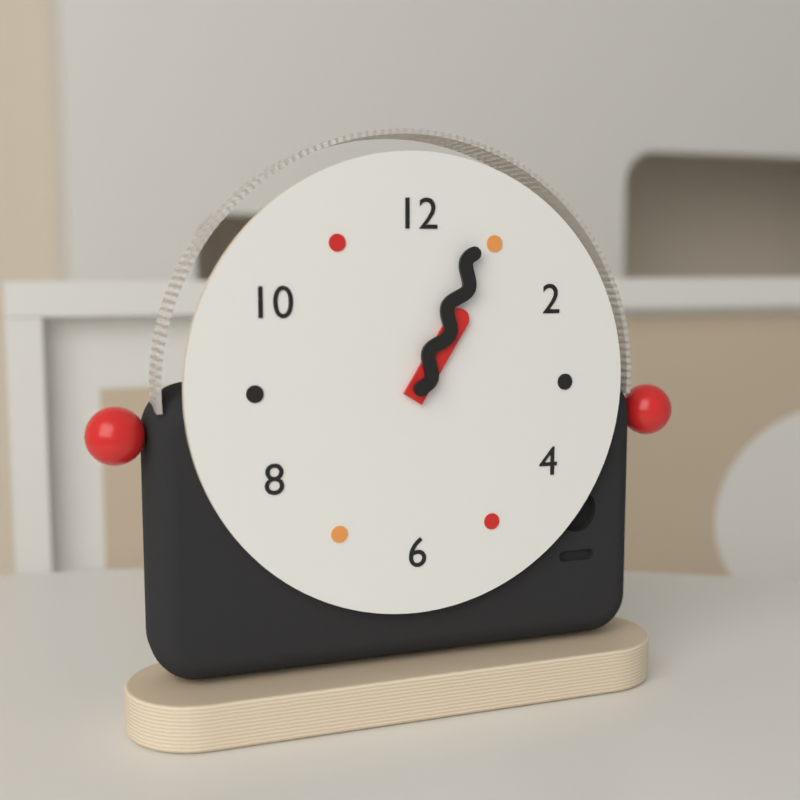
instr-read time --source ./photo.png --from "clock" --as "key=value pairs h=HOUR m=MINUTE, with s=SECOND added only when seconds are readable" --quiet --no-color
h=1 m=4
